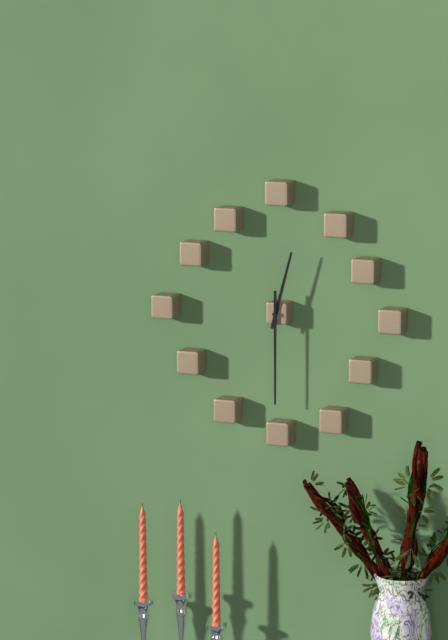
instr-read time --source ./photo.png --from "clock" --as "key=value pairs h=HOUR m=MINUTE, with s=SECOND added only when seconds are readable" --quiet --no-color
h=12 m=30
